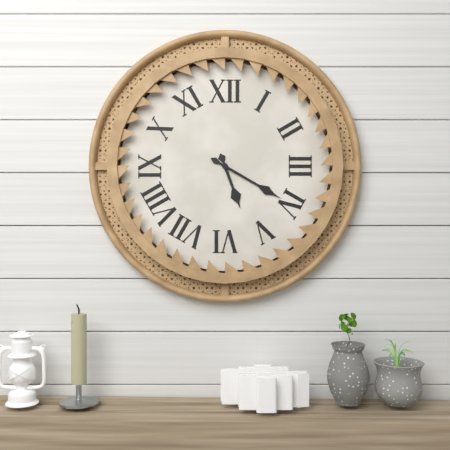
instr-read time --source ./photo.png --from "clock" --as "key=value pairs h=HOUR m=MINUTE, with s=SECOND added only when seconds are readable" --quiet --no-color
h=5 m=20
